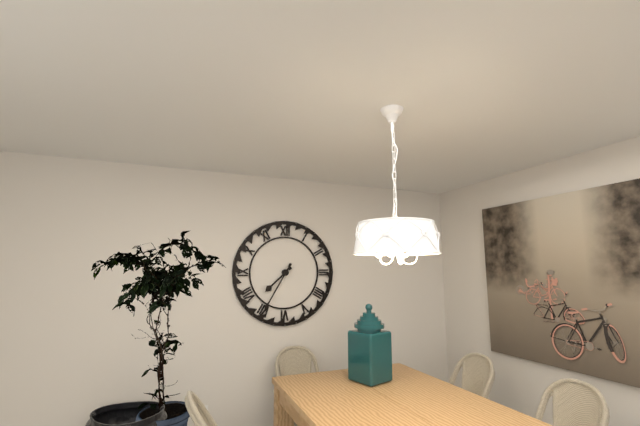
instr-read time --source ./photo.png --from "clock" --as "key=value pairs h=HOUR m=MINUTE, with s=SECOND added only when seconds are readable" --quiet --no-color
h=7 m=35
